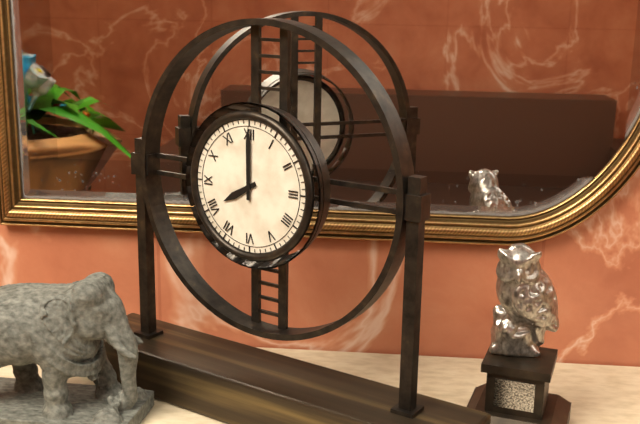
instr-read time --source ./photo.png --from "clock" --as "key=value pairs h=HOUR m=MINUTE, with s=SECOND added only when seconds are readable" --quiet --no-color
h=8 m=0
